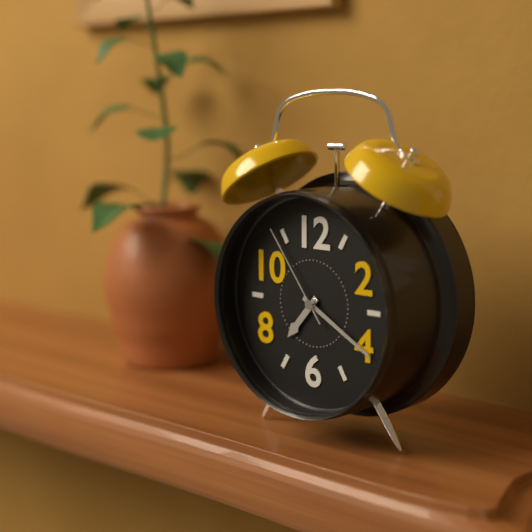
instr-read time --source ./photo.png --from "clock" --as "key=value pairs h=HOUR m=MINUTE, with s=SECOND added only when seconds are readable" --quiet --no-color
h=7 m=20 s=54
